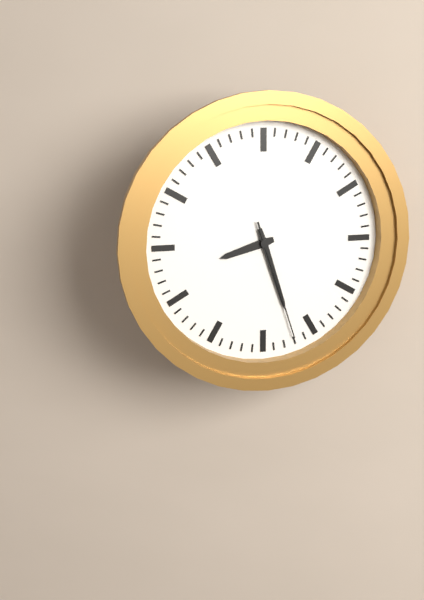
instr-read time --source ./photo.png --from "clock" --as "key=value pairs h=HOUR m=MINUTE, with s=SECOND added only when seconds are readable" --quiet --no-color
h=8 m=27 s=27
